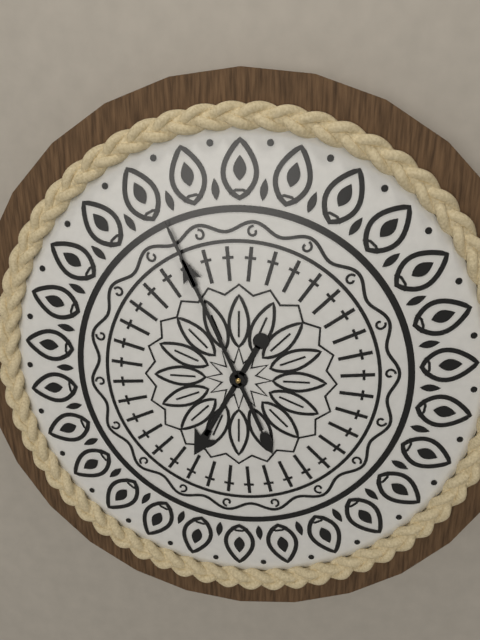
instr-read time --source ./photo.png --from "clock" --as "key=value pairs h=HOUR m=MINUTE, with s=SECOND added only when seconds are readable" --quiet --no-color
h=6 m=56
